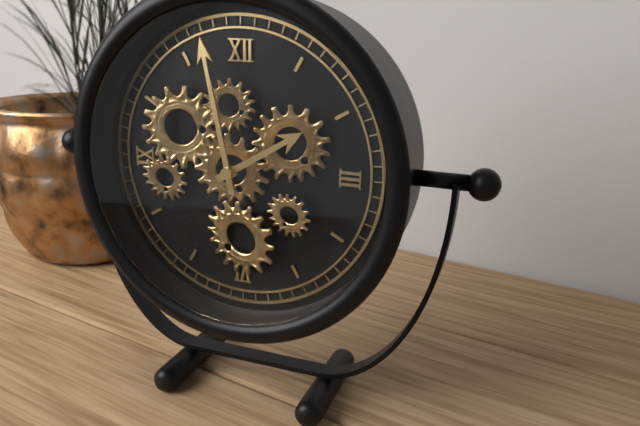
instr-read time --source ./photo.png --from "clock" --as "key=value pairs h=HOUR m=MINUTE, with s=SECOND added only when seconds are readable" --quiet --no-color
h=1 m=58
